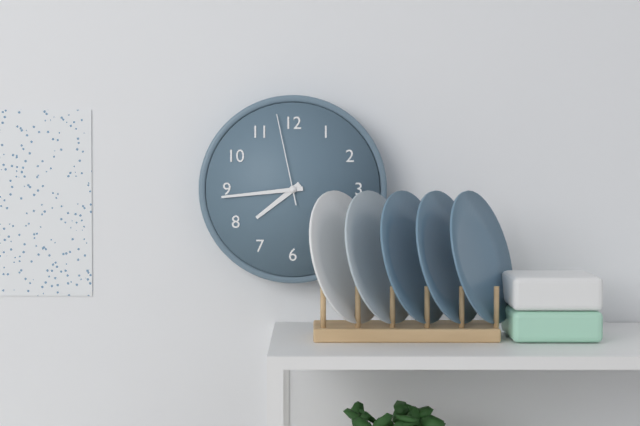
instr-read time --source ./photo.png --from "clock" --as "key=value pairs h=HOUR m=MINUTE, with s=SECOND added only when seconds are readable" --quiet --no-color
h=7 m=44 s=58
